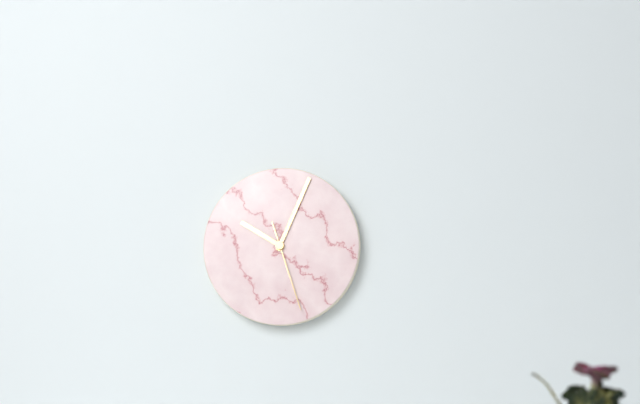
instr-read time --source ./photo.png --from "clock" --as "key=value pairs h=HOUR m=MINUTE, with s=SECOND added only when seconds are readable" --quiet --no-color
h=10 m=4 s=27
